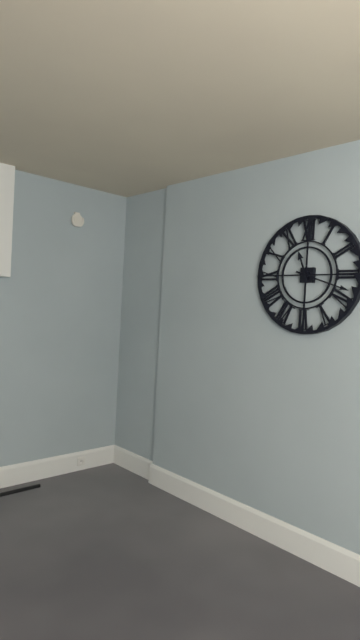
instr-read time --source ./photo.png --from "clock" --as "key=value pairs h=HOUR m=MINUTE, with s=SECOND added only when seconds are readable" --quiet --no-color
h=11 m=18
